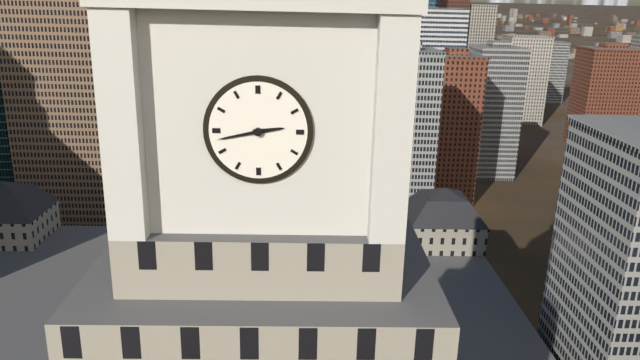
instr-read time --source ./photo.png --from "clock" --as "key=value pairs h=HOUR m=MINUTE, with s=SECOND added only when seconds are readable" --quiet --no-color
h=2 m=43
